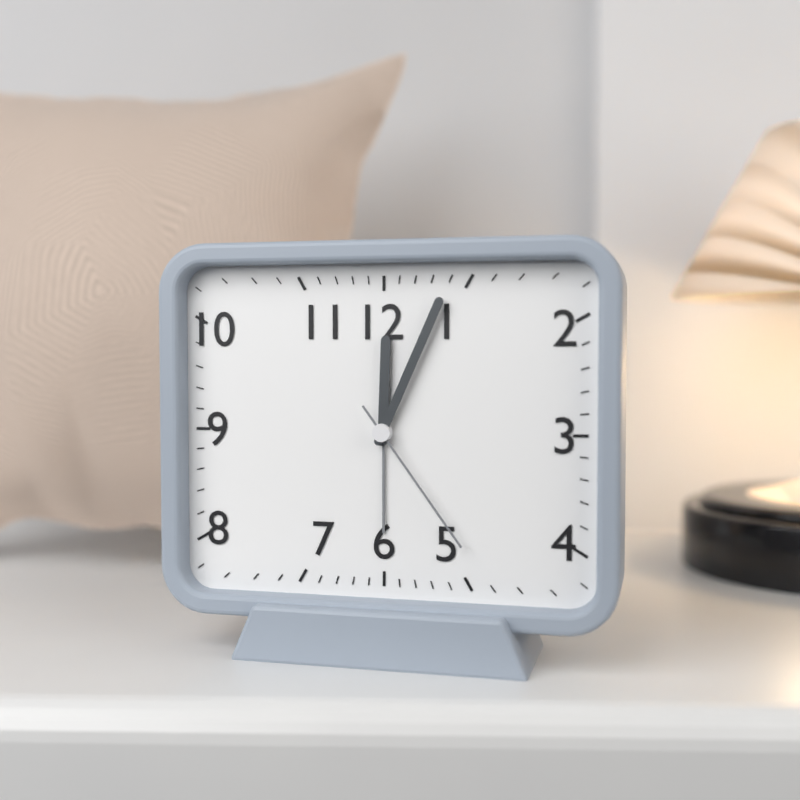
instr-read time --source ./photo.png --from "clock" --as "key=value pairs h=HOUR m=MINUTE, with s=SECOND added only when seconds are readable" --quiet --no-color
h=12 m=4 s=24
